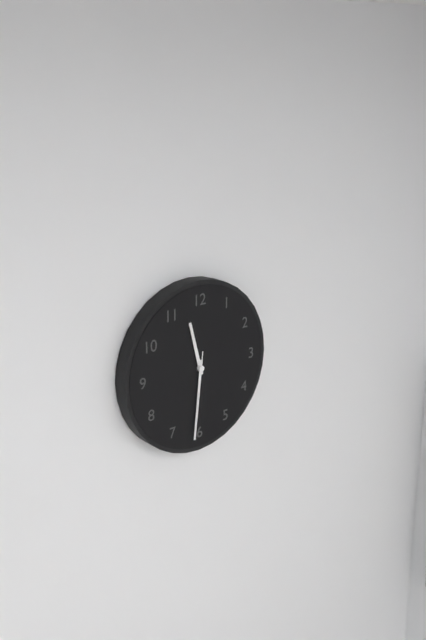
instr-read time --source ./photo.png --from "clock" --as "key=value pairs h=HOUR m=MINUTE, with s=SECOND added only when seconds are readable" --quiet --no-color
h=11 m=31 s=31
